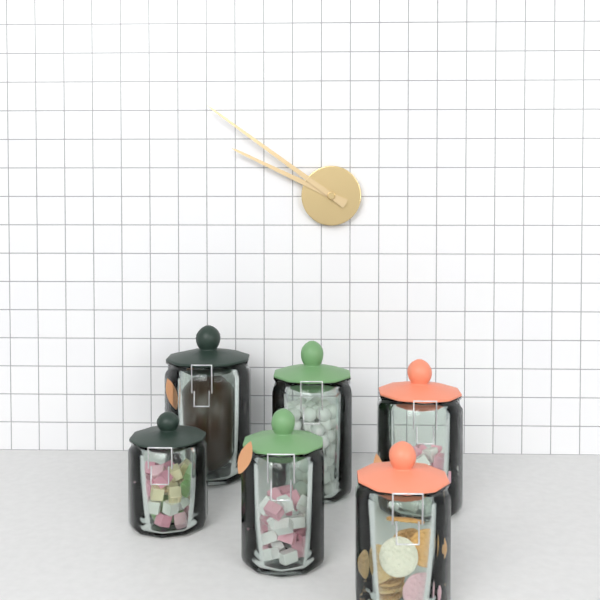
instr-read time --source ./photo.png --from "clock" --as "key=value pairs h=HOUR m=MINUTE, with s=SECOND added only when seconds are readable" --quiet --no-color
h=9 m=51
